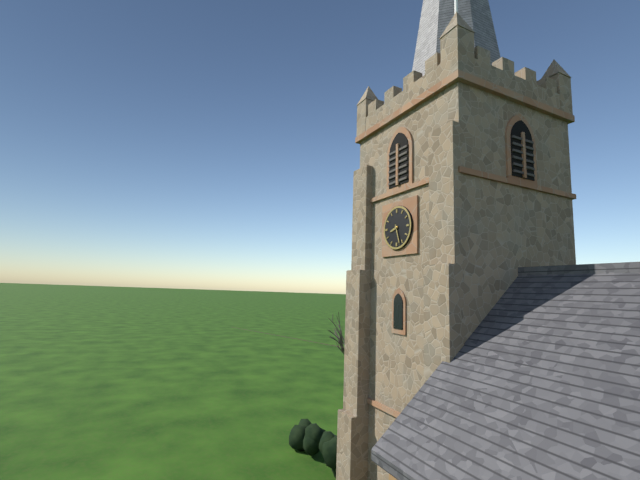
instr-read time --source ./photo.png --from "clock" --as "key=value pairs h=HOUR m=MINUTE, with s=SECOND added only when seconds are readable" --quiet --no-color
h=8 m=27
